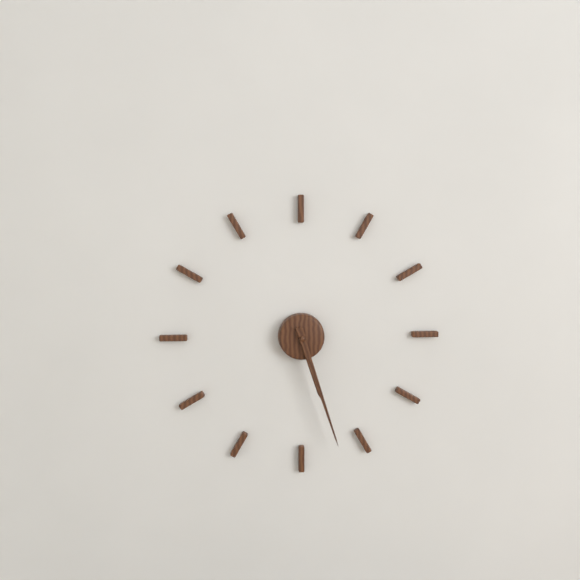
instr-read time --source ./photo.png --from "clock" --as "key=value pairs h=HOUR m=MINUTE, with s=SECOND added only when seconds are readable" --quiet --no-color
h=5 m=27
